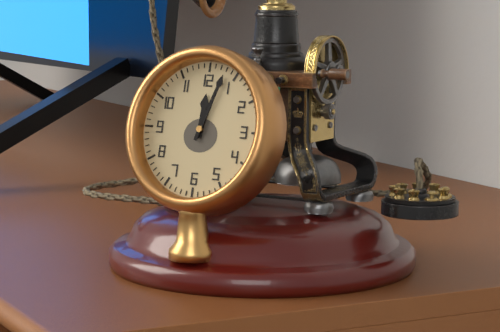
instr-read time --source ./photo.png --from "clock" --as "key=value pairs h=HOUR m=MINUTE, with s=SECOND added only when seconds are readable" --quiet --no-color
h=12 m=3
